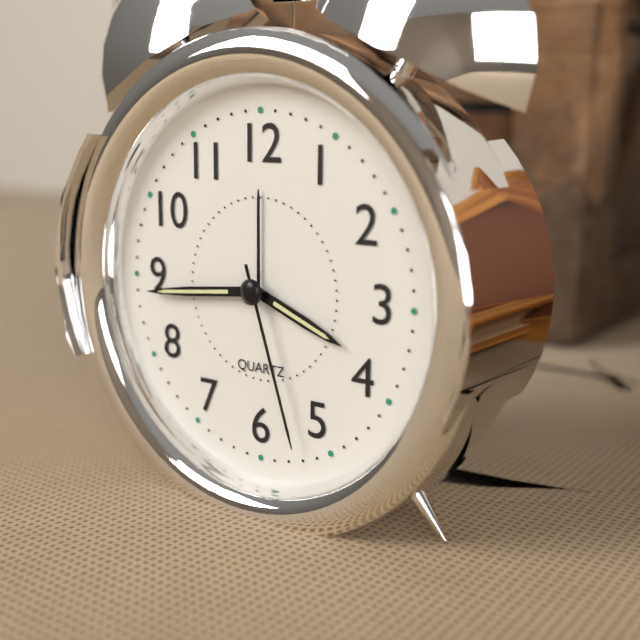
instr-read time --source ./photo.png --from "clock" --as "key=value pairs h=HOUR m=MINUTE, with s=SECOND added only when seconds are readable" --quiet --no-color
h=3 m=44 s=27
